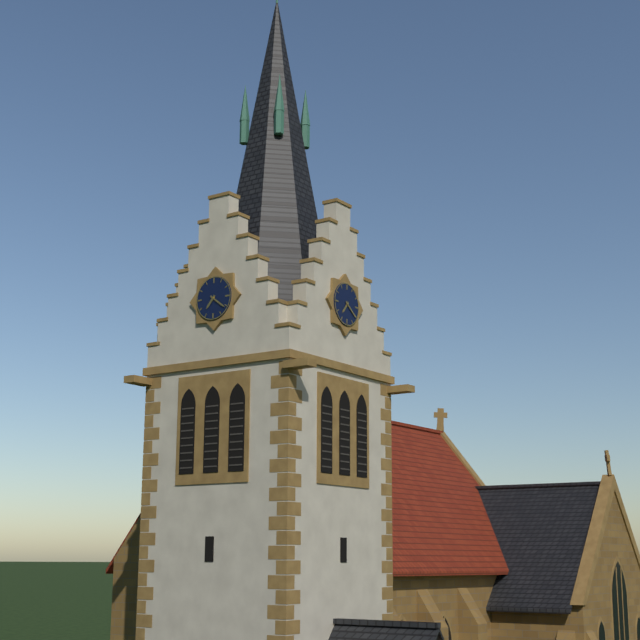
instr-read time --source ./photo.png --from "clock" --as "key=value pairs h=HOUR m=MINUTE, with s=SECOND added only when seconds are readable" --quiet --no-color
h=7 m=21
